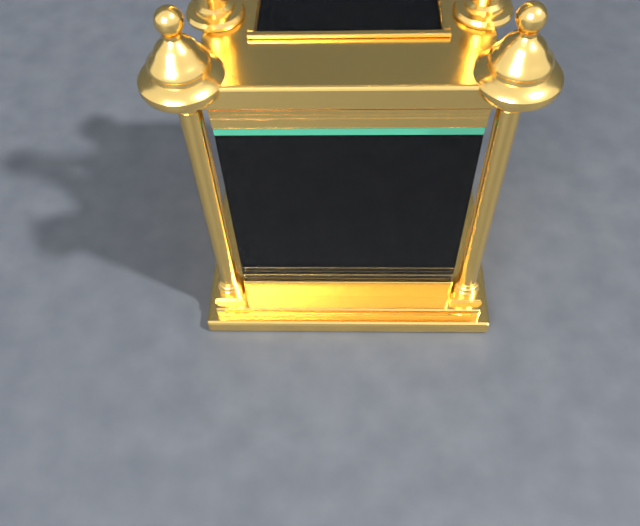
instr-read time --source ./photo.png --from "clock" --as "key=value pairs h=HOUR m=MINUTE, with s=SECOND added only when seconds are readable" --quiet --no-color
h=8 m=42
